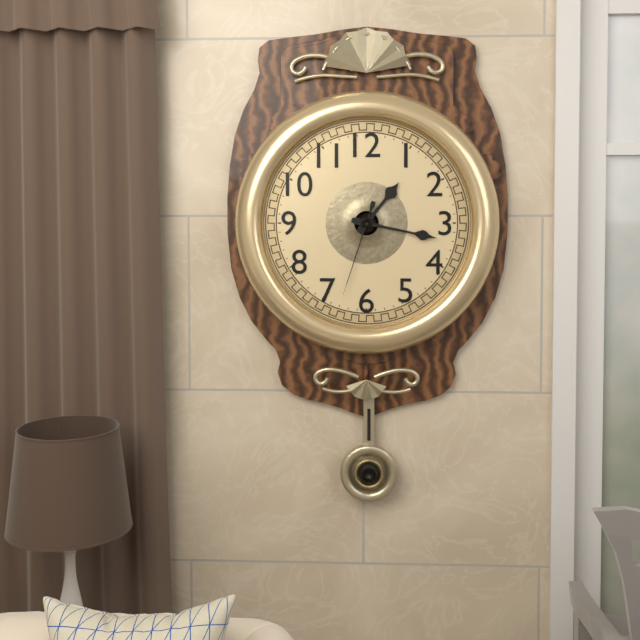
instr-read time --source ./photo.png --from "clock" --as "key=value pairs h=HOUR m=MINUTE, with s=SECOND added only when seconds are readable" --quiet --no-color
h=1 m=17 s=33
